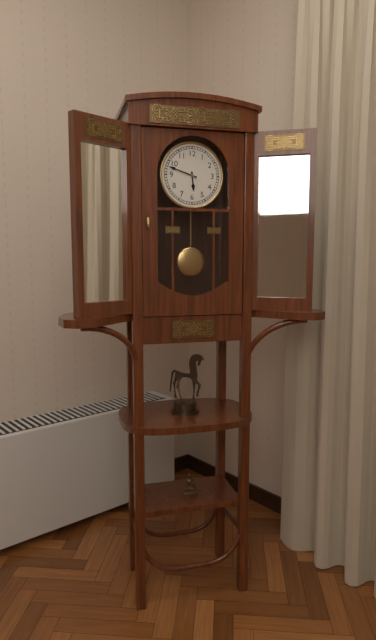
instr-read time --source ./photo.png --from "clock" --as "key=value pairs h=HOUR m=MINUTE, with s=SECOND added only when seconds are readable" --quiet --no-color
h=5 m=48
